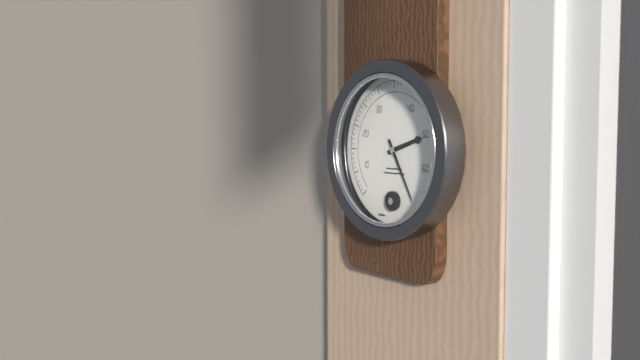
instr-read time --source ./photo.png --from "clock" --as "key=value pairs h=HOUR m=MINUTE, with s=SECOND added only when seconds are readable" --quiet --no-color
h=2 m=25
